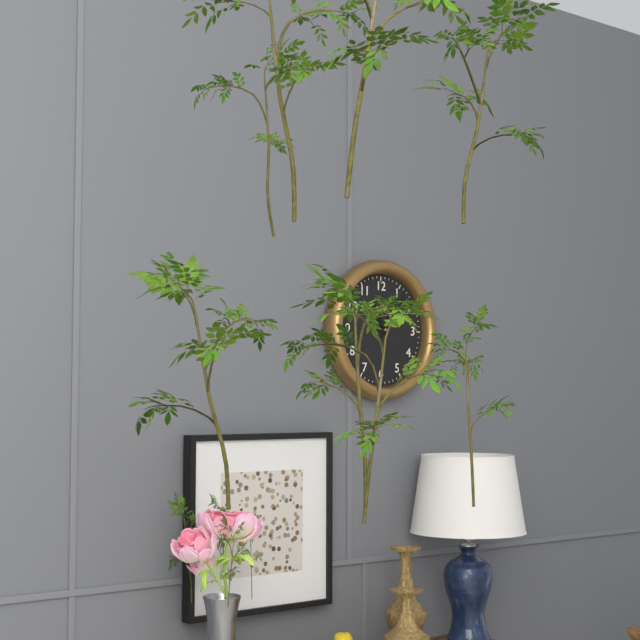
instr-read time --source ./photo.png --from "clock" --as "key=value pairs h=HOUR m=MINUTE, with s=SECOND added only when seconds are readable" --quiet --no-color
h=11 m=6
